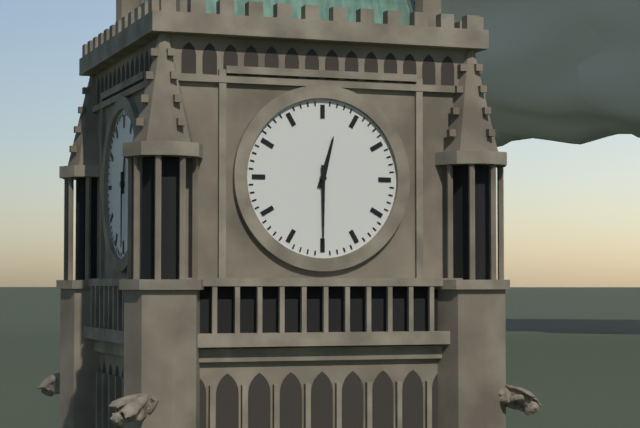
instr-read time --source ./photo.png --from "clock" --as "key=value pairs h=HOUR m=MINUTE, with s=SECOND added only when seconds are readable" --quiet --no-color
h=12 m=30
